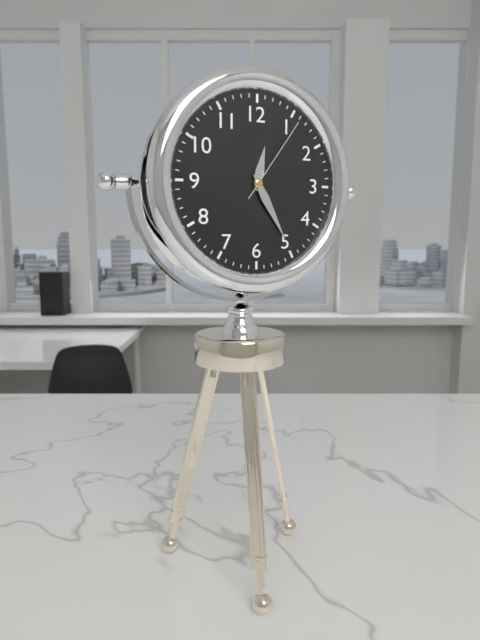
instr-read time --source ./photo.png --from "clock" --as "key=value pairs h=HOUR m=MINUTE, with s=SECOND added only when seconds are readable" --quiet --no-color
h=12 m=25 s=6
